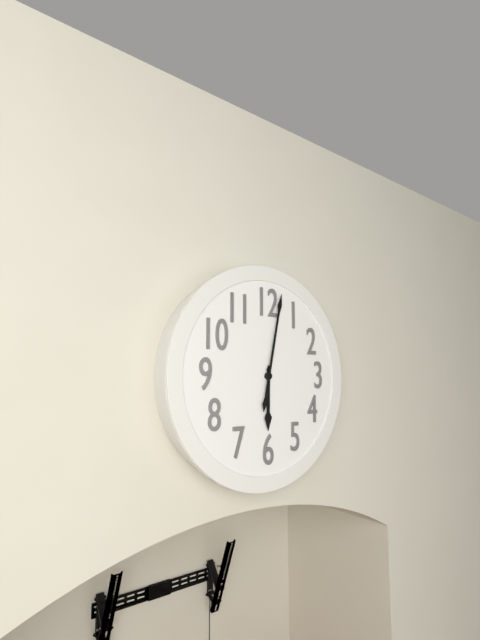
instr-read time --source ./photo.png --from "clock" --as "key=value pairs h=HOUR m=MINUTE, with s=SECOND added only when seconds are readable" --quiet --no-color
h=6 m=2
